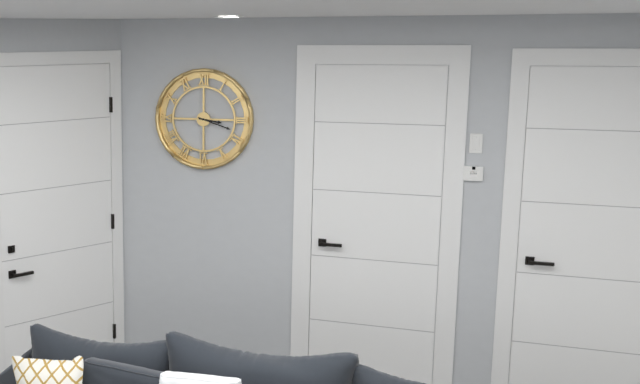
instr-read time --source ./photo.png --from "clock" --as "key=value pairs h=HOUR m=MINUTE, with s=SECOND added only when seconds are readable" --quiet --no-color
h=3 m=18
